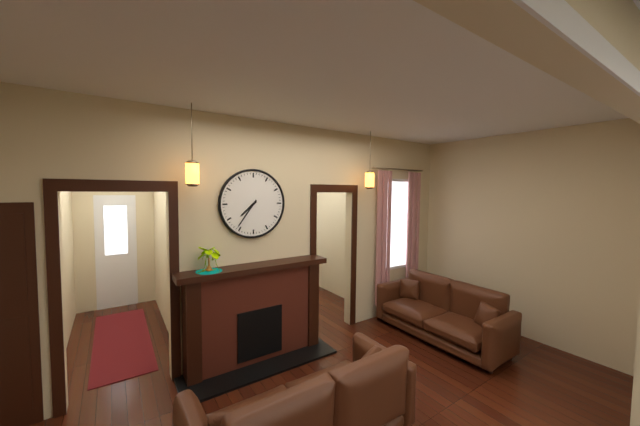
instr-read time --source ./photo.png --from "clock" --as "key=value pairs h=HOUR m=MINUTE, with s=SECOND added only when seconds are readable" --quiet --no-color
h=7 m=36
